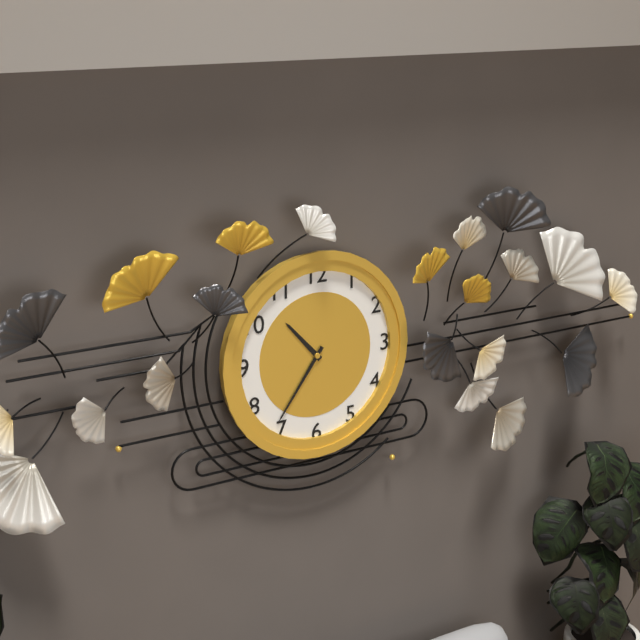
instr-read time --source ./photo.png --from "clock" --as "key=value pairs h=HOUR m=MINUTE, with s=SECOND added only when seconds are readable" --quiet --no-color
h=10 m=36
